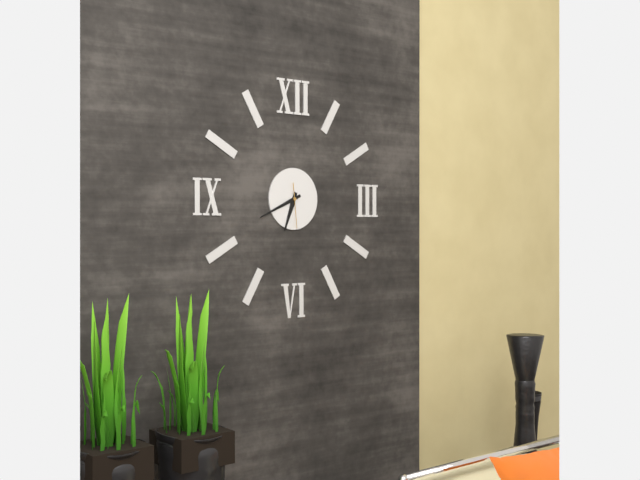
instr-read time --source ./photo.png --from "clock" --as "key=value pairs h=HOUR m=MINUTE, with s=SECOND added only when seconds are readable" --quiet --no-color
h=6 m=41
